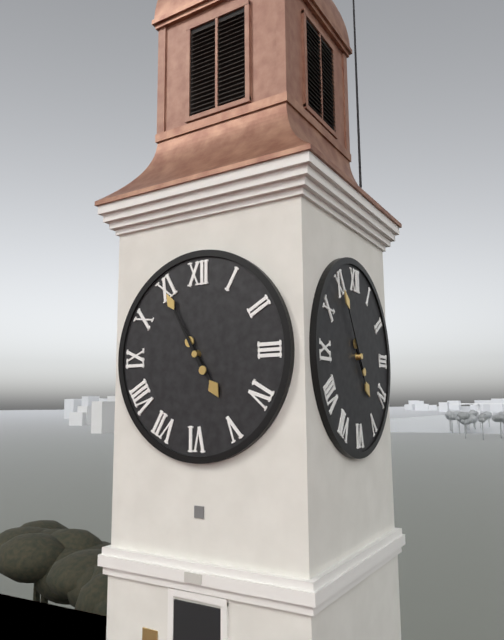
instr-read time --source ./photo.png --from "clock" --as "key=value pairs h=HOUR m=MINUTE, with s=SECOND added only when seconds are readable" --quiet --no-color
h=4 m=55
